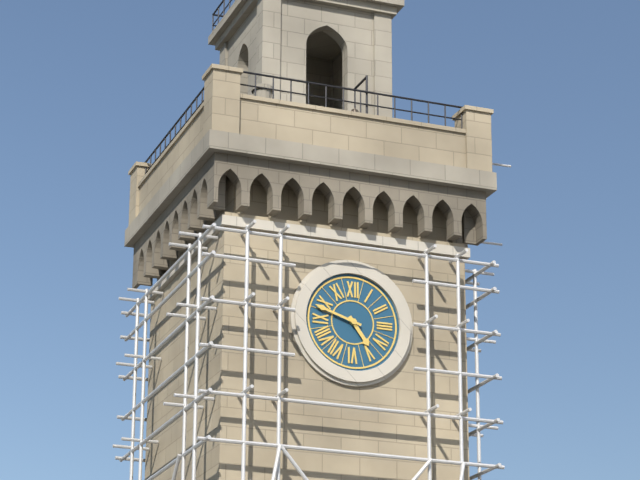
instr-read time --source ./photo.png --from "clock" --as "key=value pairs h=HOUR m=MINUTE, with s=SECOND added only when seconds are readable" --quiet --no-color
h=4 m=48
